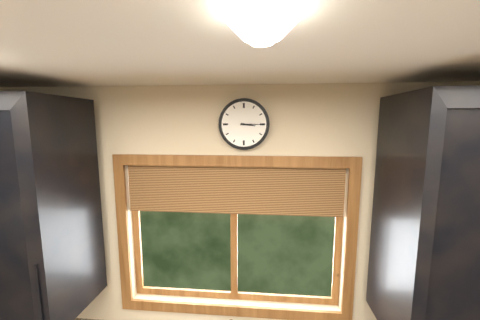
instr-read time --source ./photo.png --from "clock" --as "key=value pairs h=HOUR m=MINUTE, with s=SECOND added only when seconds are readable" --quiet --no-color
h=3 m=15
